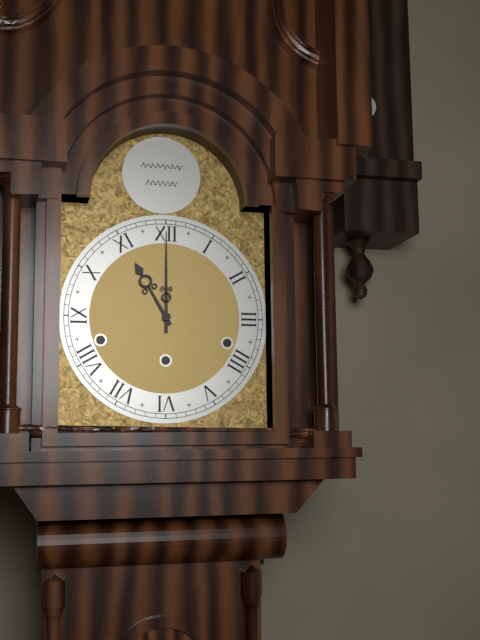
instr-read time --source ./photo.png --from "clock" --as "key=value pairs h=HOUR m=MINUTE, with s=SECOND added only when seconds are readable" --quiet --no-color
h=11 m=0
